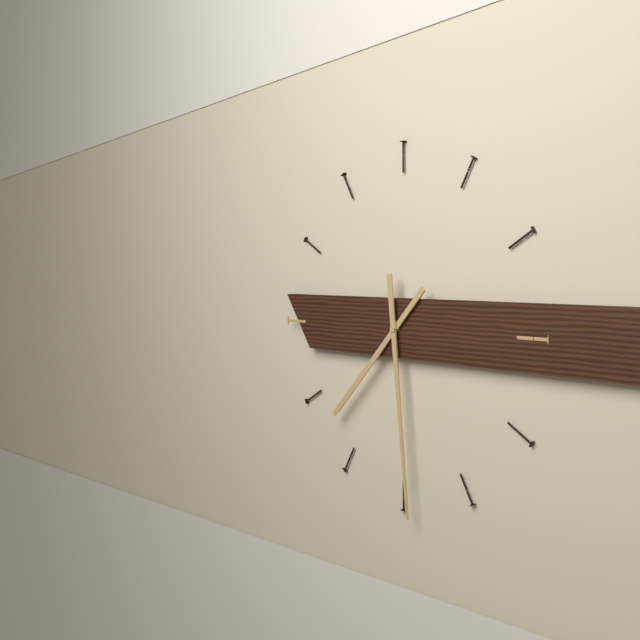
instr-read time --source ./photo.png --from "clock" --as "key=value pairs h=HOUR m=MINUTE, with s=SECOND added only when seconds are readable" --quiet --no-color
h=7 m=29
